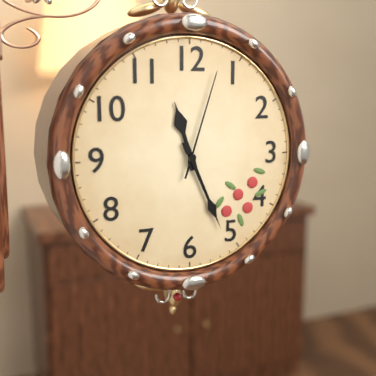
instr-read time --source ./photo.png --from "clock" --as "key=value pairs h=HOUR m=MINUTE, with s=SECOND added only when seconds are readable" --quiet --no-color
h=11 m=26 s=3
